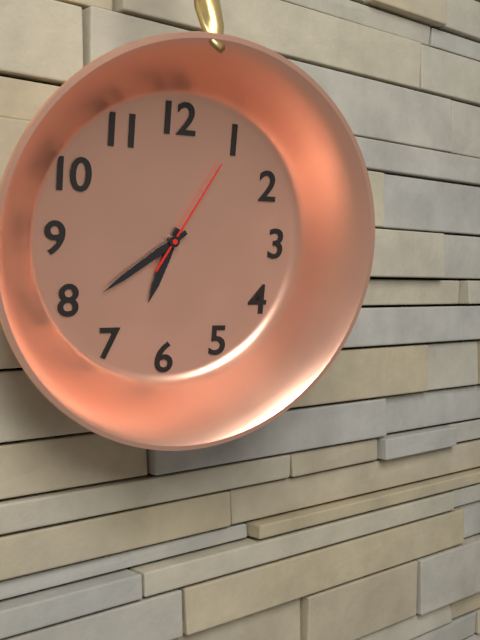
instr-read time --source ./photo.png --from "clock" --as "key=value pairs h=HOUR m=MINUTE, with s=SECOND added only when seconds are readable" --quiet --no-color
h=6 m=39 s=5
